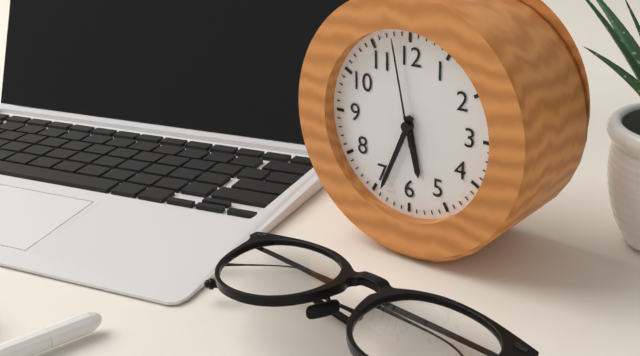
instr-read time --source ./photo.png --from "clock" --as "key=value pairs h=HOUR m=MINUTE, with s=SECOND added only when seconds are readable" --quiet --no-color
h=5 m=34 s=58
